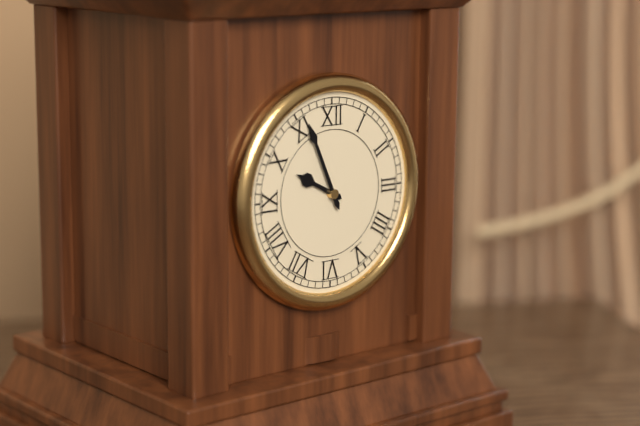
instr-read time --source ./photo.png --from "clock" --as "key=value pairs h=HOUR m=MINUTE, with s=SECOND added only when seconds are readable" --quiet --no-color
h=9 m=56
